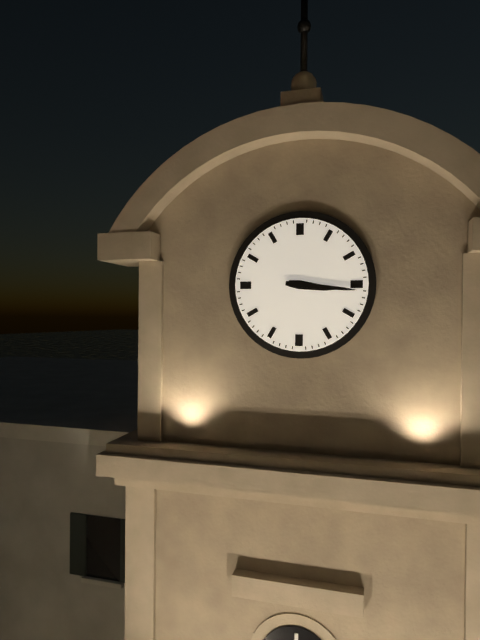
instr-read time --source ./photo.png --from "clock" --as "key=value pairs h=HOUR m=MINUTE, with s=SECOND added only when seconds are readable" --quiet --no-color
h=3 m=16
